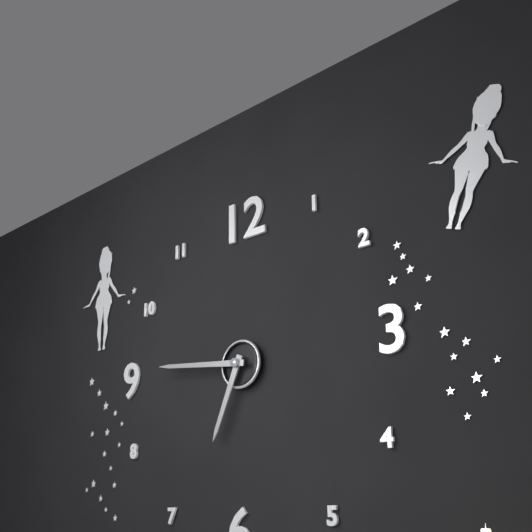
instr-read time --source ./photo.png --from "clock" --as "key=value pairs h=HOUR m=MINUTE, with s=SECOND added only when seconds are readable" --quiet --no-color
h=6 m=46
